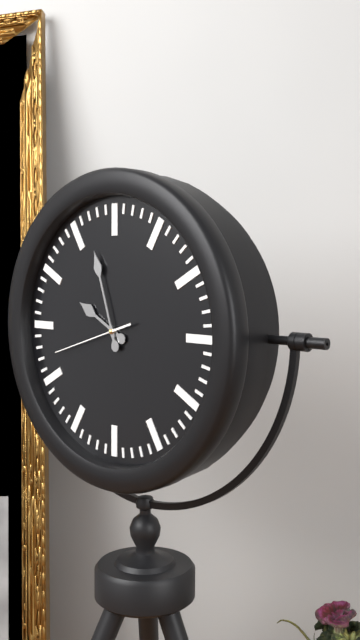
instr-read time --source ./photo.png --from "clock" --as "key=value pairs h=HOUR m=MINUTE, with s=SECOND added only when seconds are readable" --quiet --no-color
h=9 m=57 s=42
